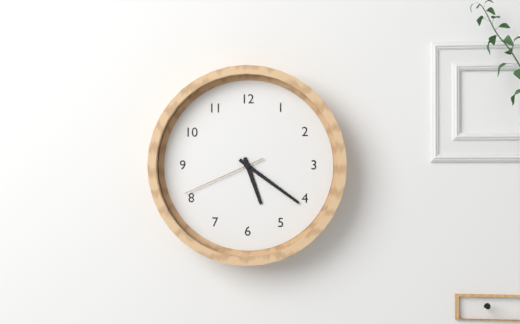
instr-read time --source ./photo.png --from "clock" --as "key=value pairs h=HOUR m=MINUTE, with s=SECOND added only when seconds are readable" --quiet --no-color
h=5 m=21 s=41
